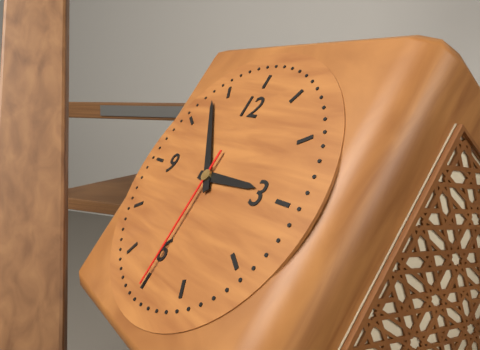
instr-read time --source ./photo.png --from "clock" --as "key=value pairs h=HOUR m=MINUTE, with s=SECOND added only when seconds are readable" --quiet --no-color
h=2 m=53 s=30
